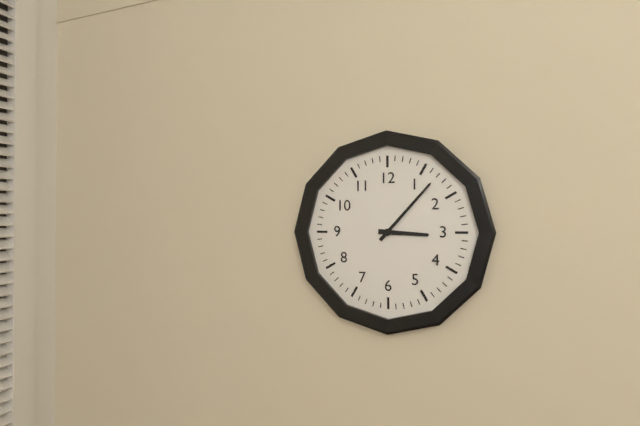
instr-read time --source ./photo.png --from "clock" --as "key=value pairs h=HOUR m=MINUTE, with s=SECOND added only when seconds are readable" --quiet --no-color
h=3 m=7
